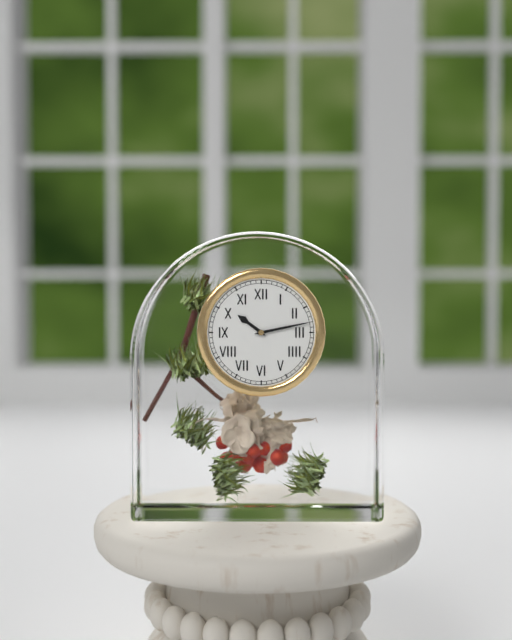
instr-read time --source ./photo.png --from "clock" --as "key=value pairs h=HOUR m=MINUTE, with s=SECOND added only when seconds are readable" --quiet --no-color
h=10 m=13
